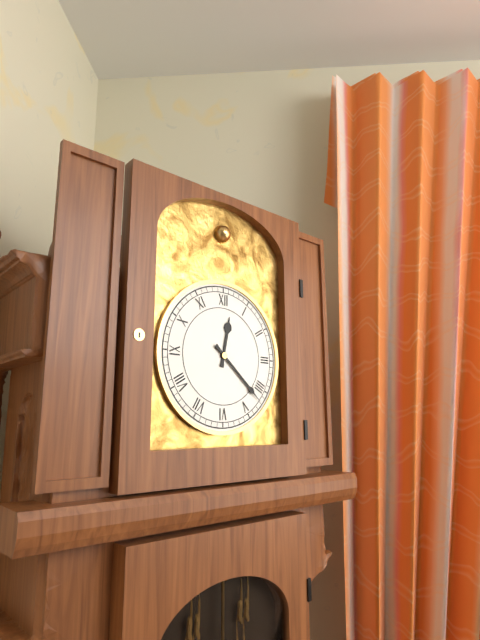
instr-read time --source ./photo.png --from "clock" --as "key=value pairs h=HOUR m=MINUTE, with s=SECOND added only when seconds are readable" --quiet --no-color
h=12 m=22
